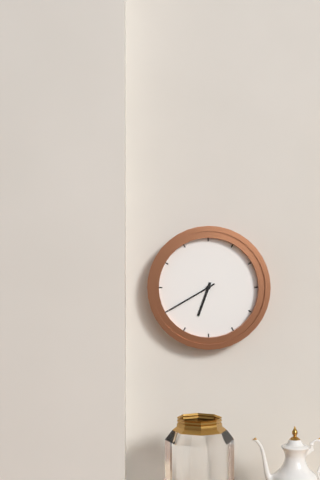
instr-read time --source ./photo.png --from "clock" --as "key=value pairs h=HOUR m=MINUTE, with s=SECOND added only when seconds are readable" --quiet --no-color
h=6 m=40
